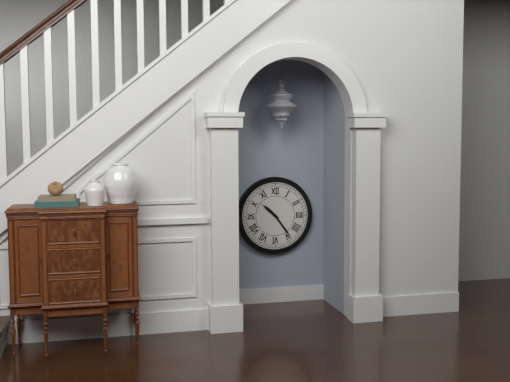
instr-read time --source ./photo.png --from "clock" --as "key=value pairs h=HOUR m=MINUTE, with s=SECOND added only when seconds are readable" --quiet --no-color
h=10 m=24
